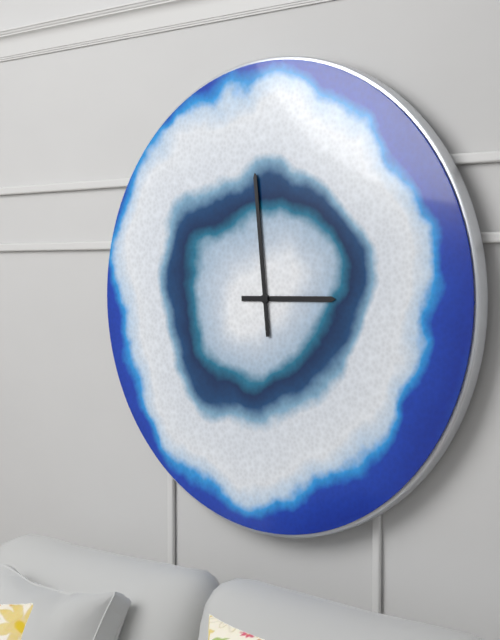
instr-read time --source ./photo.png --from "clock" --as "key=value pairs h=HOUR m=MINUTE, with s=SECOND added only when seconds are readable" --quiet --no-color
h=2 m=59
